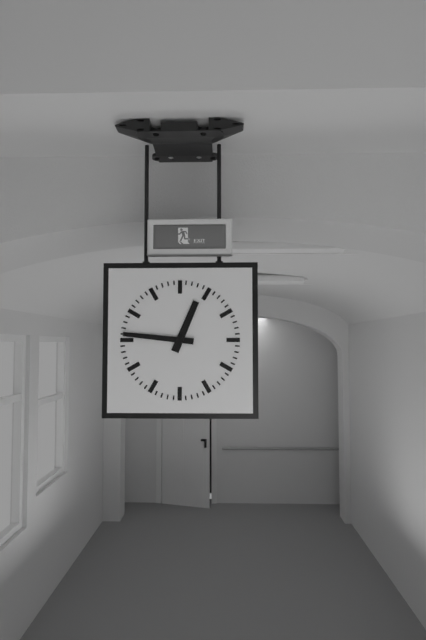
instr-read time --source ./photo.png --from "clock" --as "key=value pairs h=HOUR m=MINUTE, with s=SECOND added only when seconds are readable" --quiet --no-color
h=12 m=46
